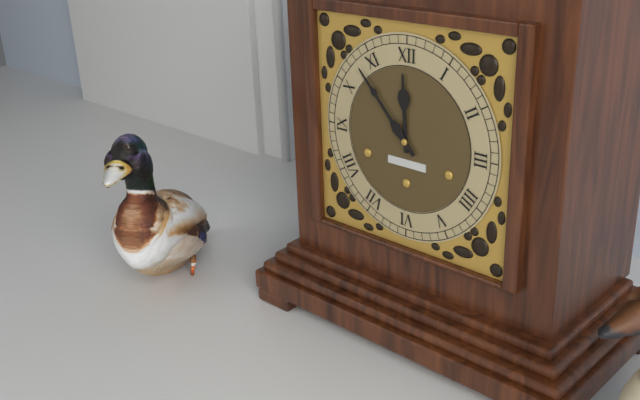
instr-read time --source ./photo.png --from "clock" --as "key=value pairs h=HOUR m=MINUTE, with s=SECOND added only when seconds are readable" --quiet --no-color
h=11 m=53
